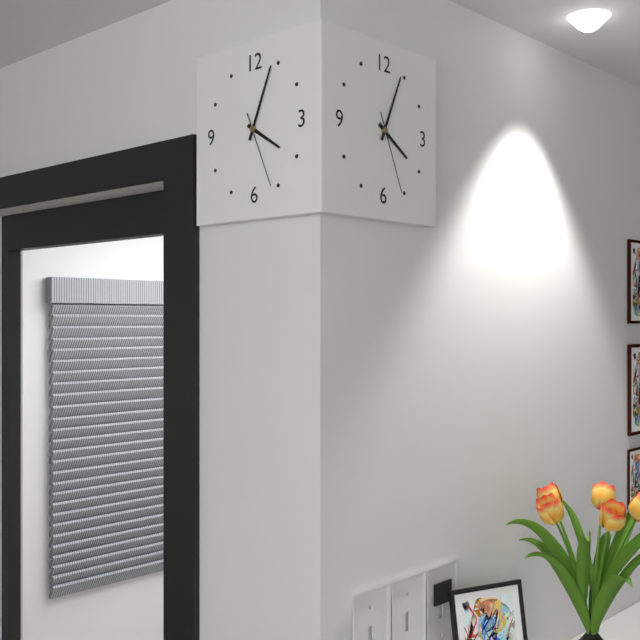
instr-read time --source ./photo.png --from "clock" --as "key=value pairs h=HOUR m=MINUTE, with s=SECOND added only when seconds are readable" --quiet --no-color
h=4 m=4 s=26
